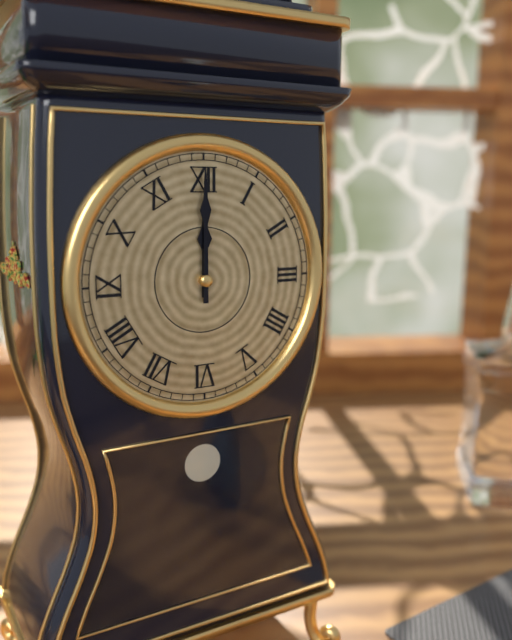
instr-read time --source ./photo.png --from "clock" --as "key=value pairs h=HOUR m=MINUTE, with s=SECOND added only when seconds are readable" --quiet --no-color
h=12 m=0
